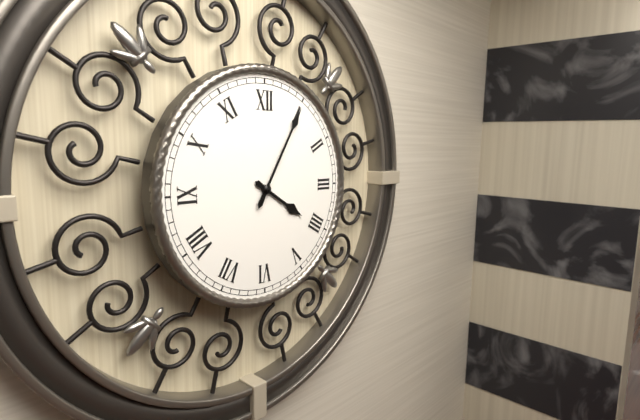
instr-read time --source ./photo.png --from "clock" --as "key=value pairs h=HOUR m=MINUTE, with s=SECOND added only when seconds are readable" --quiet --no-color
h=4 m=5
